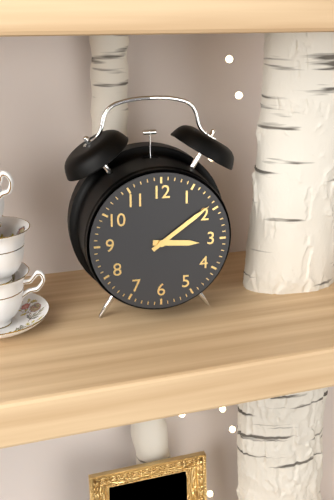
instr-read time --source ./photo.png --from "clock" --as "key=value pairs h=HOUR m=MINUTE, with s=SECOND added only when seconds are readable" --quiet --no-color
h=3 m=9
